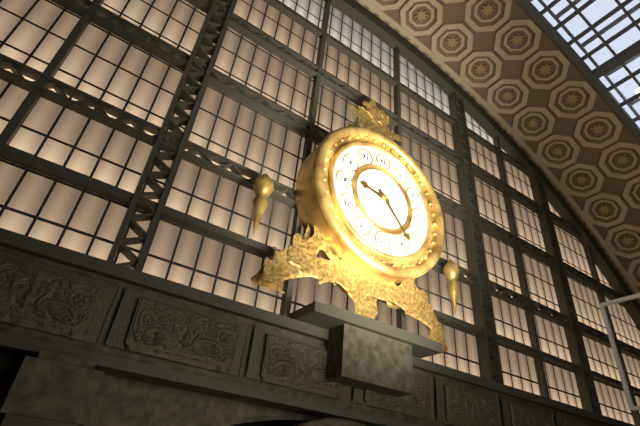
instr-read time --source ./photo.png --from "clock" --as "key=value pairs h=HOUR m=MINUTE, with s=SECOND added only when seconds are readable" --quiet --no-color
h=9 m=23
